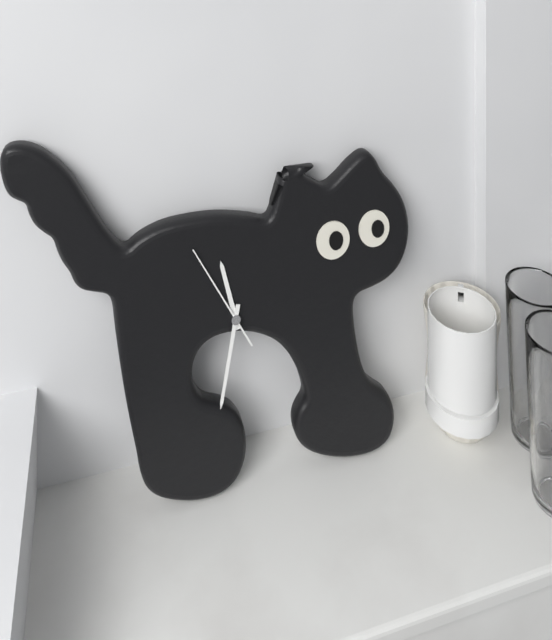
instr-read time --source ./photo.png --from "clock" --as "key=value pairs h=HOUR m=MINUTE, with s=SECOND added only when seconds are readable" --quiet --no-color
h=11 m=32 s=55
